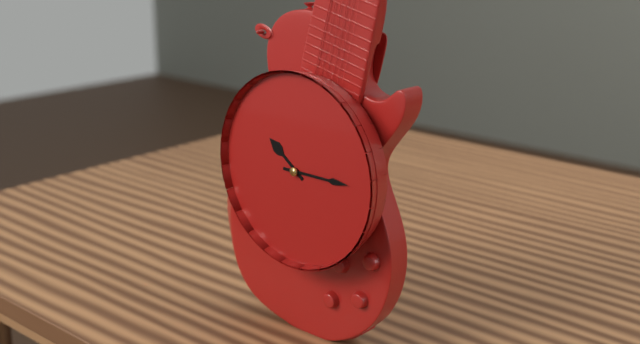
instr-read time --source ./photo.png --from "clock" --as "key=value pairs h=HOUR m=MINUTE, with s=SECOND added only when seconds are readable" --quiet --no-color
h=10 m=15
